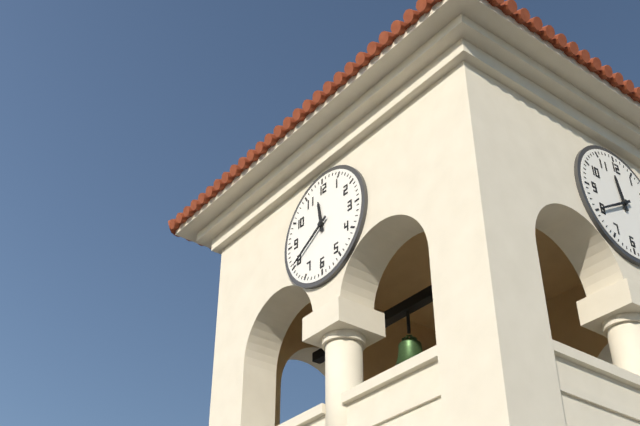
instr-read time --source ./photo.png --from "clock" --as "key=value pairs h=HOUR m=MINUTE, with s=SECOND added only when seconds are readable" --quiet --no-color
h=11 m=40
